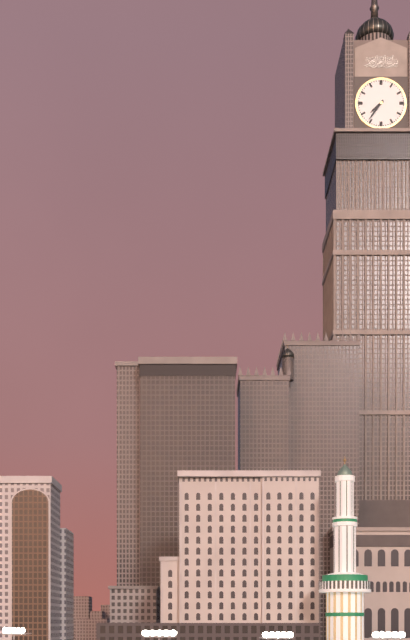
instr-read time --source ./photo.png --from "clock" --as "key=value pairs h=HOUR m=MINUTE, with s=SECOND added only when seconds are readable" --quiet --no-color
h=7 m=36
